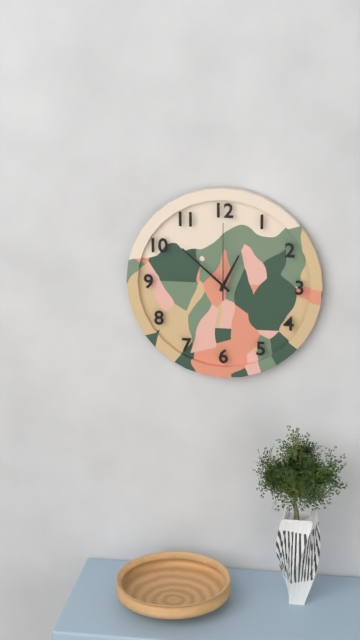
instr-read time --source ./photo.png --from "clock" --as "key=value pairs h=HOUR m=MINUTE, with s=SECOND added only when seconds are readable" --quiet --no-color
h=12 m=52 s=0
